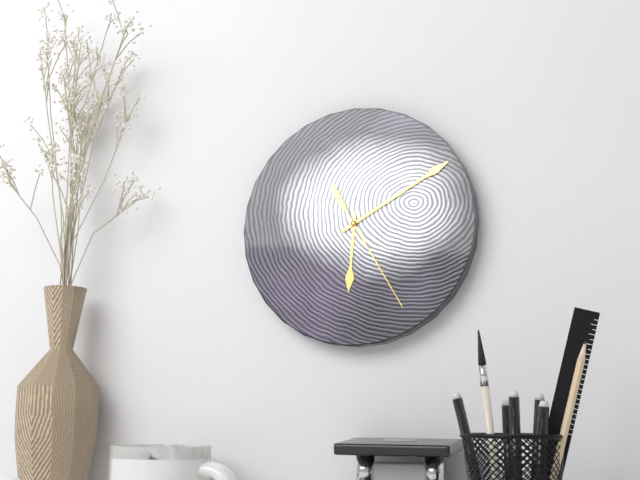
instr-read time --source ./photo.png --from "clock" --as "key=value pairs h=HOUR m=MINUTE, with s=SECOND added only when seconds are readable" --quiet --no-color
h=6 m=10 s=25
